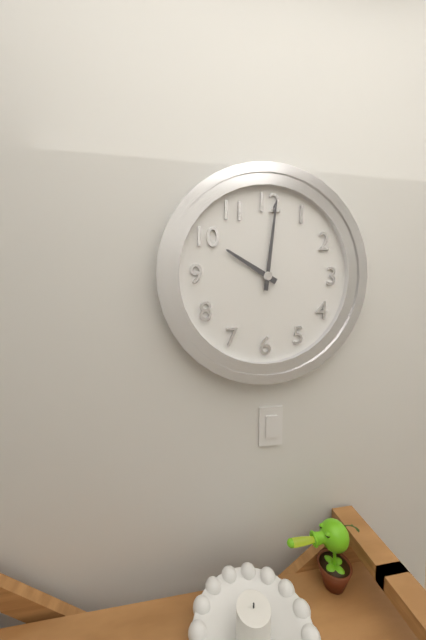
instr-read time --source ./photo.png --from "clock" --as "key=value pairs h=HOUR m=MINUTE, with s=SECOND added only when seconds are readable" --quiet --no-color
h=10 m=1
